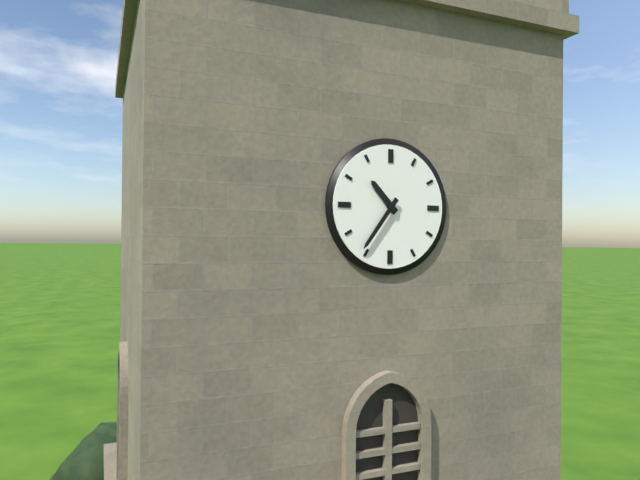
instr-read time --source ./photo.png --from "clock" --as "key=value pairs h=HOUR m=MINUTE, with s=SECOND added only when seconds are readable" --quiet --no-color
h=10 m=36
